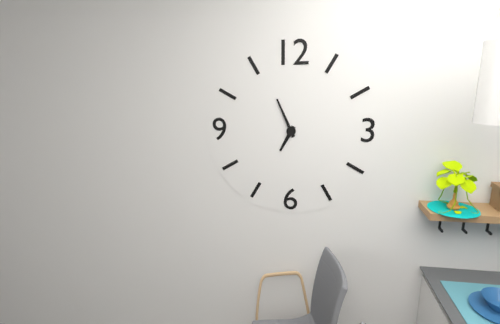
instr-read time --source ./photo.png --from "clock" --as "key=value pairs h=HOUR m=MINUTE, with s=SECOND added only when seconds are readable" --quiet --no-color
h=6 m=56
